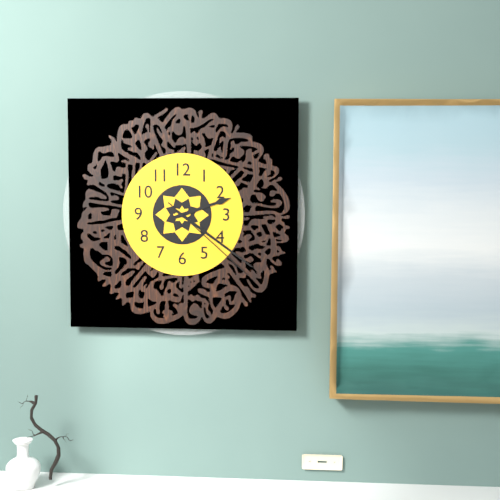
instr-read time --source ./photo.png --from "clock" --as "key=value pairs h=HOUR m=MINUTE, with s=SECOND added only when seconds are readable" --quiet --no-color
h=2 m=21 s=22
